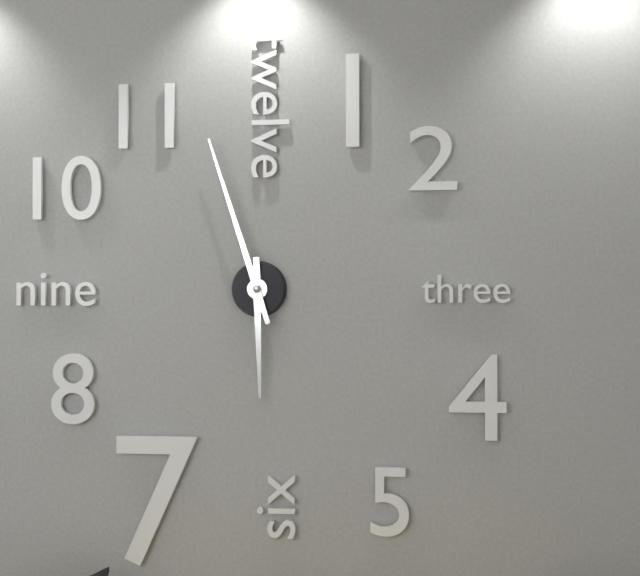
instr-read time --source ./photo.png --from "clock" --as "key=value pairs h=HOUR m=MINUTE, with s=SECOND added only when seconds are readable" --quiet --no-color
h=5 m=57
